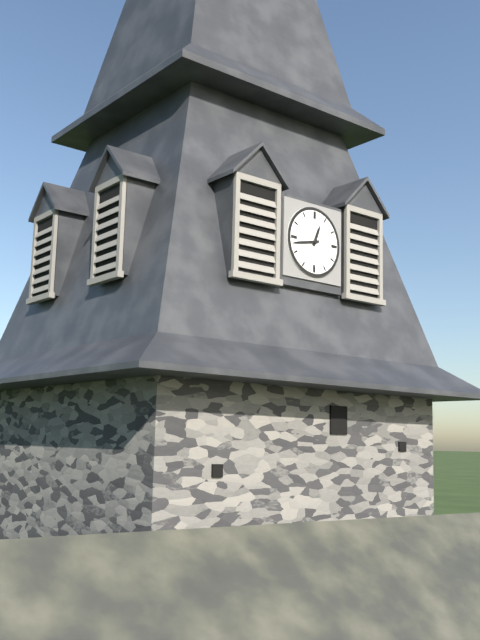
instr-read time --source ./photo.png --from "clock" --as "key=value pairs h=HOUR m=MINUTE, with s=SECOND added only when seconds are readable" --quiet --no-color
h=12 m=43
